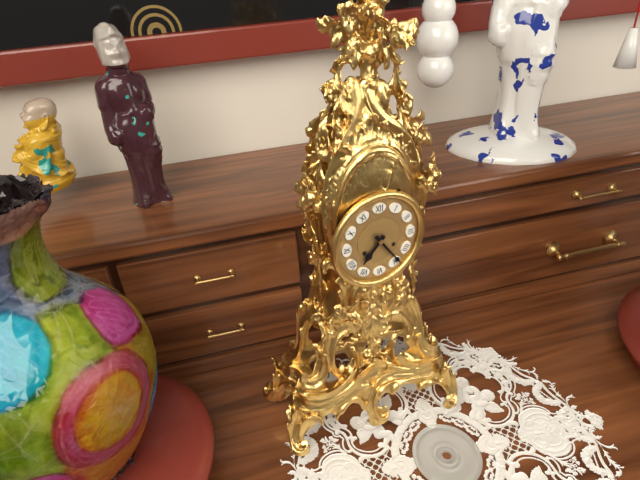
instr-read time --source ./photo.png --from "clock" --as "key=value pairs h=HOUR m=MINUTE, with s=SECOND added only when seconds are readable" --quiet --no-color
h=7 m=24
